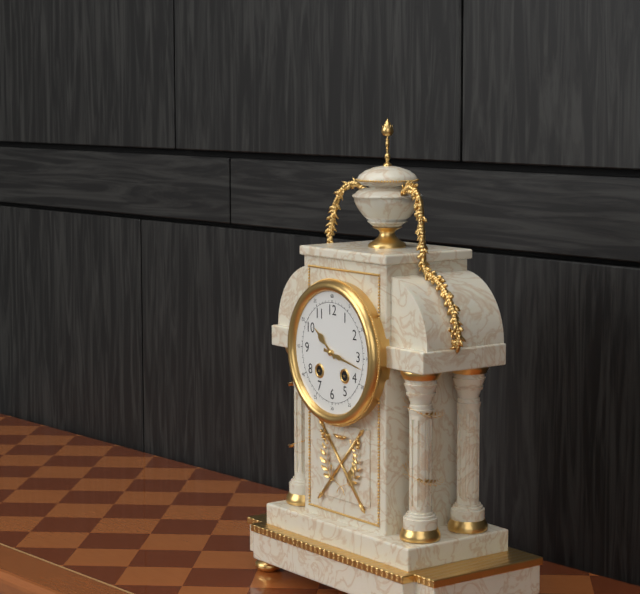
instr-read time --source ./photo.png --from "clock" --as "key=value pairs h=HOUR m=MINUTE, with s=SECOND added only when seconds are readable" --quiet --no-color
h=10 m=17
